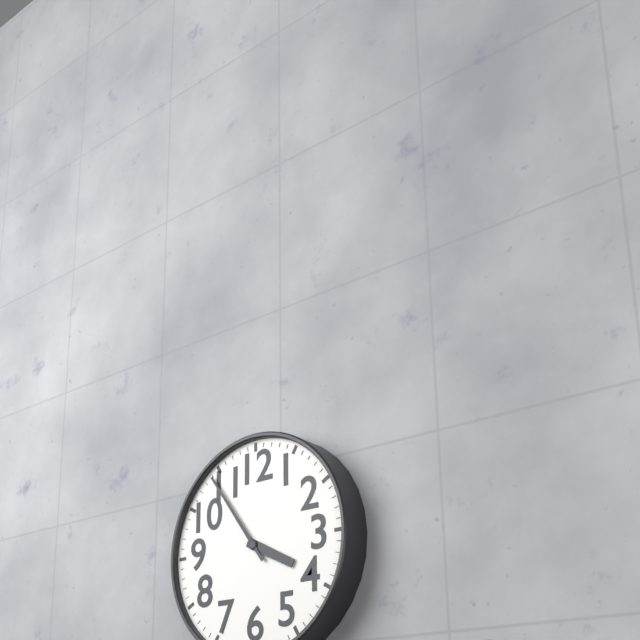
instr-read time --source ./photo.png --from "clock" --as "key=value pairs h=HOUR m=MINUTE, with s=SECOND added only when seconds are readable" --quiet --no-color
h=3 m=54
